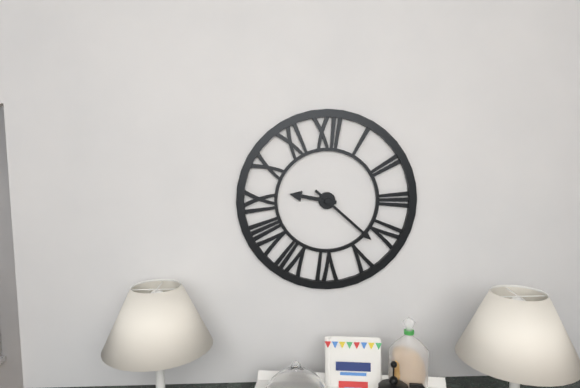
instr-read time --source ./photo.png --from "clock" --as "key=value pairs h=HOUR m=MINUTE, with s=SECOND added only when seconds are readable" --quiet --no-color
h=9 m=22
